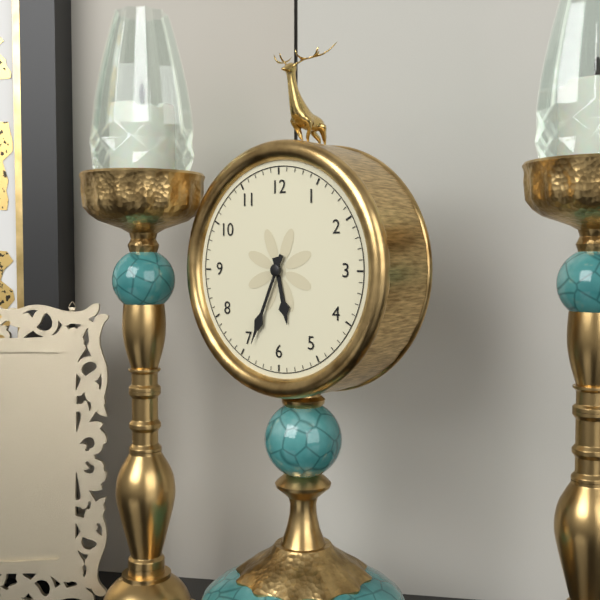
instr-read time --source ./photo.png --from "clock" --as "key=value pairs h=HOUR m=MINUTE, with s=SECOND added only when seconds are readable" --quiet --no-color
h=5 m=34
